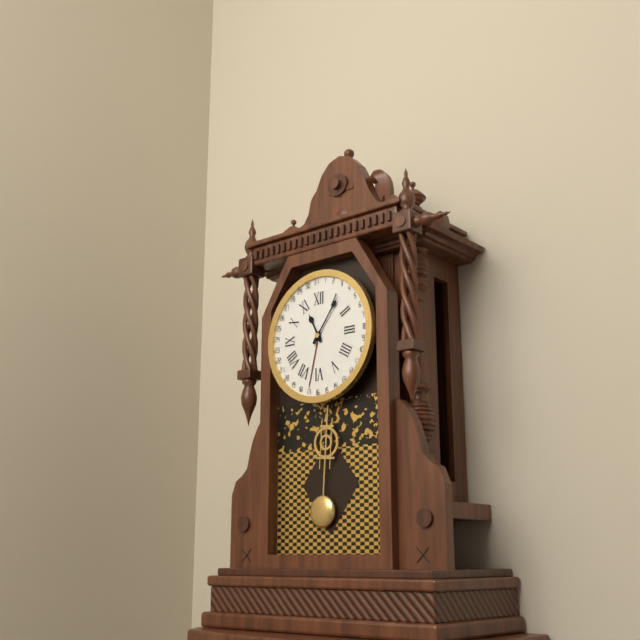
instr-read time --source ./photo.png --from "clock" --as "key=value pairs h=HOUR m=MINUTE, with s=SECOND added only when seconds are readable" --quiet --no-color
h=11 m=6
